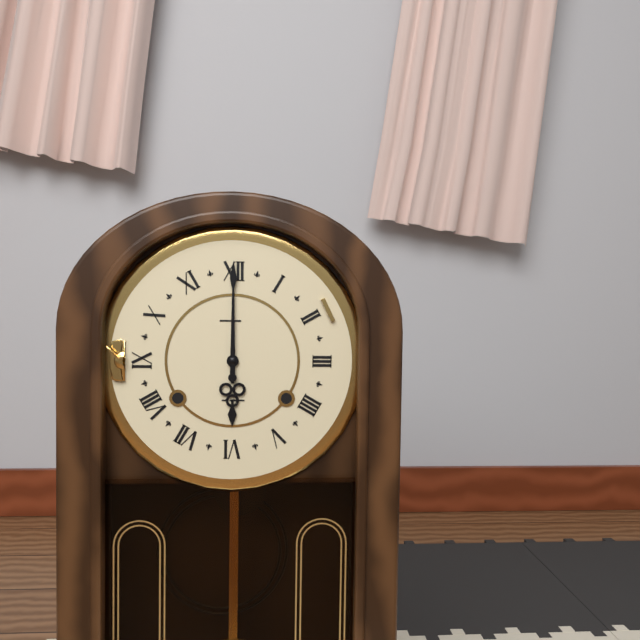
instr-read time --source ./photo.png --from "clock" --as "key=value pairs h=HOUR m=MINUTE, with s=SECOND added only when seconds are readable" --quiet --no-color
h=6 m=0
